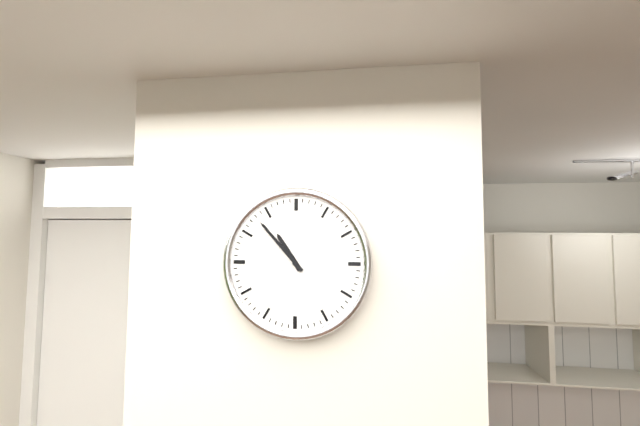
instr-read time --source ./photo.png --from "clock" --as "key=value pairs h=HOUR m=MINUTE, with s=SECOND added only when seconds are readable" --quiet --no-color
h=10 m=53
